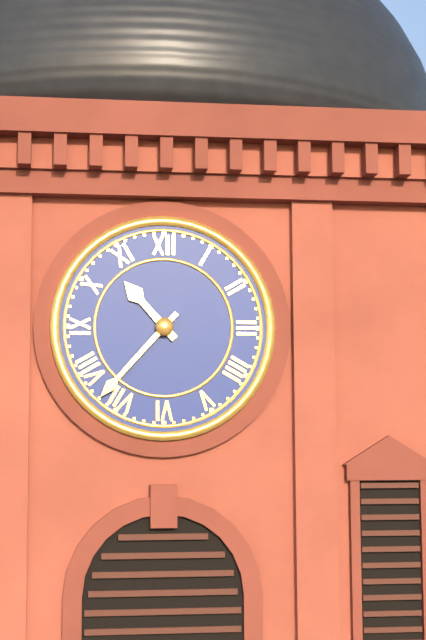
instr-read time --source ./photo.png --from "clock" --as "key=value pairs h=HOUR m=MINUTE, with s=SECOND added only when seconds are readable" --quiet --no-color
h=10 m=37
